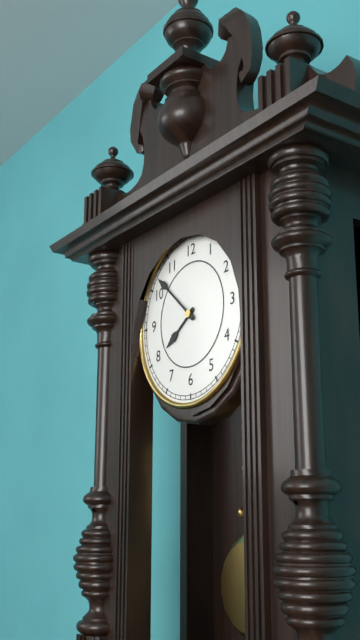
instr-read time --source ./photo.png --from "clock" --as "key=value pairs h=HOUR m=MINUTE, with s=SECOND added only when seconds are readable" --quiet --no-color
h=7 m=52
